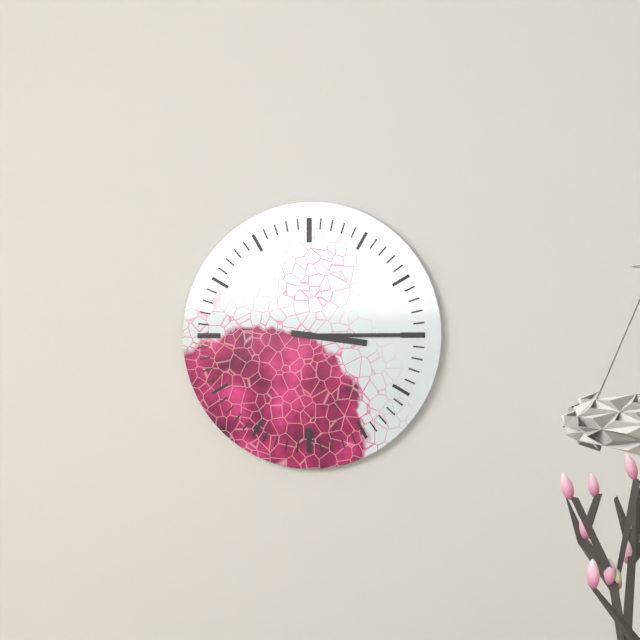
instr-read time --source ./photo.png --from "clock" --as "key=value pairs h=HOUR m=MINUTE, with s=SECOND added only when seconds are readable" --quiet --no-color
h=3 m=15
